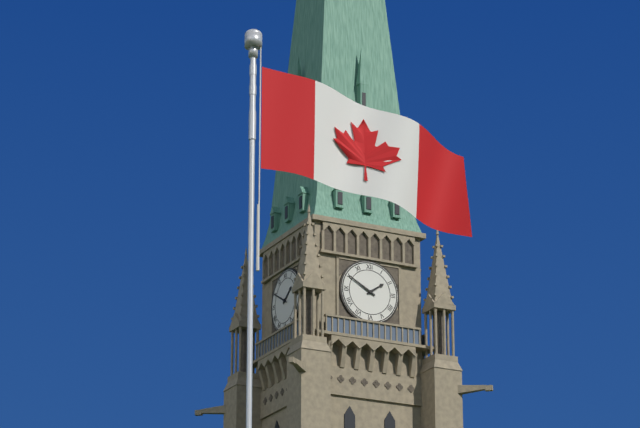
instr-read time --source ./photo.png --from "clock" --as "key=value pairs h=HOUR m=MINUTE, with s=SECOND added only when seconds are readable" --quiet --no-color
h=1 m=50
